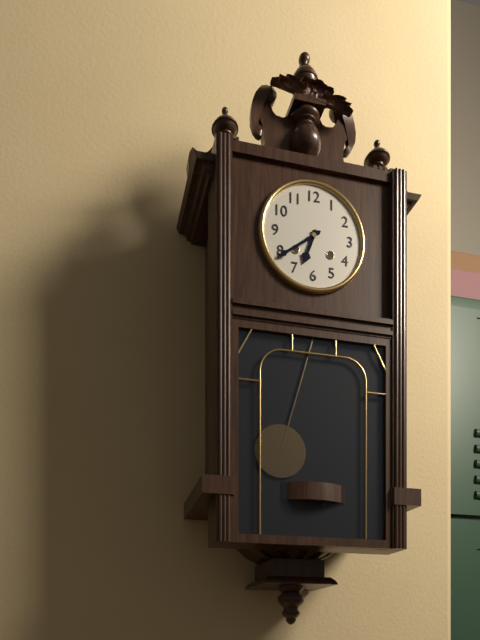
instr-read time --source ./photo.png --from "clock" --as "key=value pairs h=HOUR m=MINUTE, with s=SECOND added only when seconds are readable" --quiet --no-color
h=6 m=39
